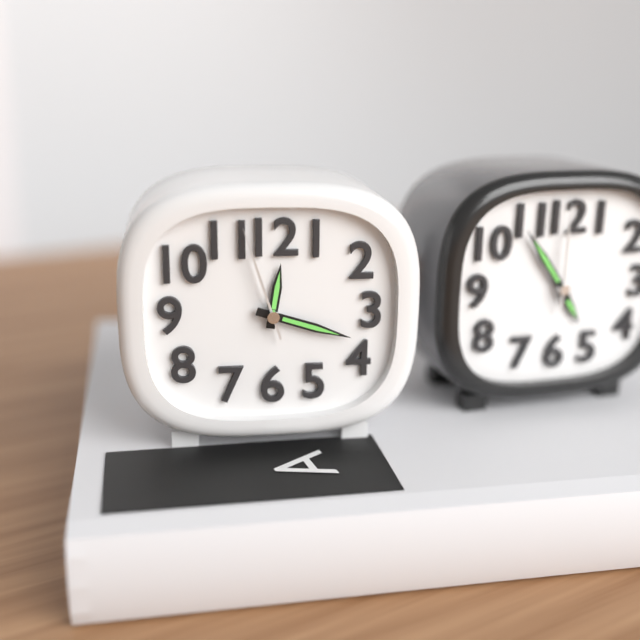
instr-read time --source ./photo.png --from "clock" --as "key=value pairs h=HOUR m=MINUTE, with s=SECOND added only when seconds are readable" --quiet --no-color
h=12 m=18 s=57
